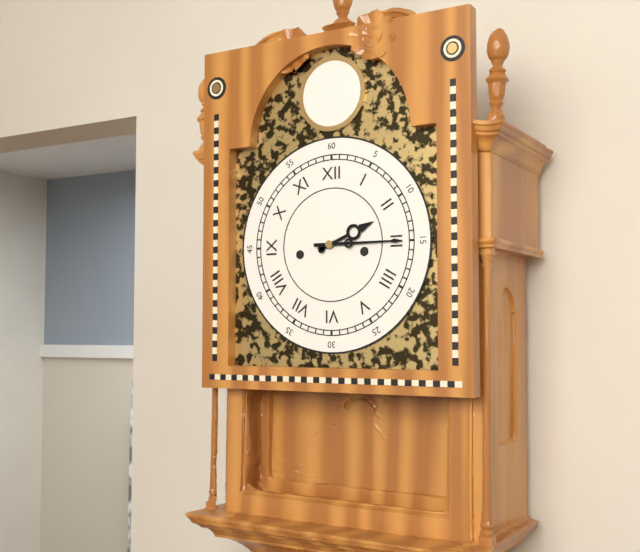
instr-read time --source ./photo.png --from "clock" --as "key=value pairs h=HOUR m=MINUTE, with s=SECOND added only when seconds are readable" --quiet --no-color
h=2 m=15
